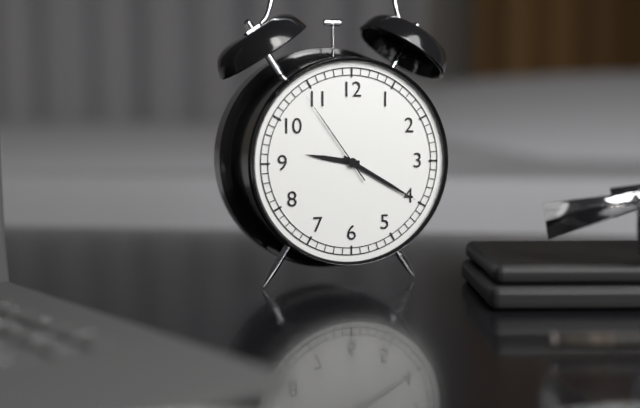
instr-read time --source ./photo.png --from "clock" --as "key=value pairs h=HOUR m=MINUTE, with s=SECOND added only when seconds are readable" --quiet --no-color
h=9 m=20 s=54
